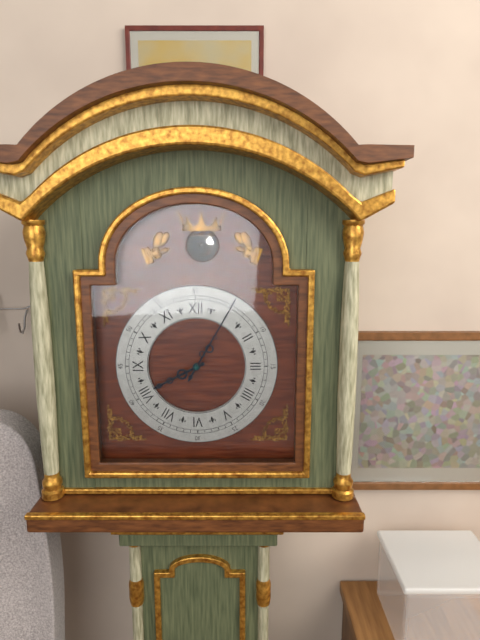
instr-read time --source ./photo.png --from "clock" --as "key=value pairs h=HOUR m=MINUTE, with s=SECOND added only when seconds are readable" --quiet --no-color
h=8 m=5
